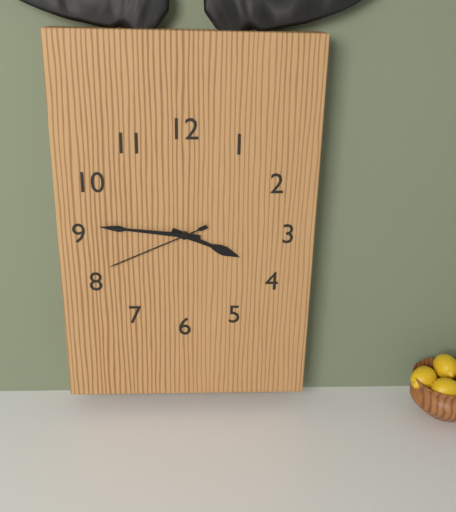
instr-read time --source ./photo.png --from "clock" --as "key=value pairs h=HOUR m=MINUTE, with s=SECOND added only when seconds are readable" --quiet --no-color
h=3 m=46 s=41
